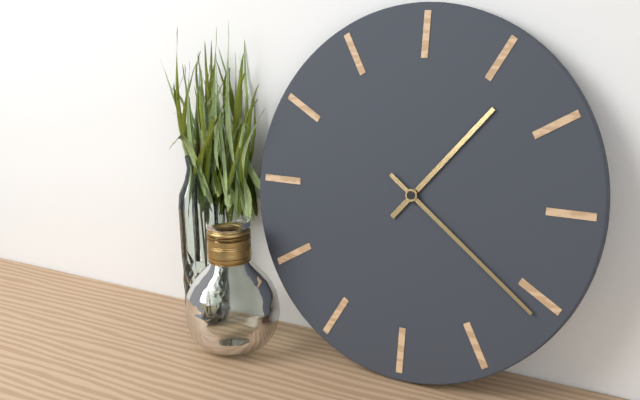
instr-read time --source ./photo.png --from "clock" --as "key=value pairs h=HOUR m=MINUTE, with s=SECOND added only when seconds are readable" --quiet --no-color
h=1 m=21
